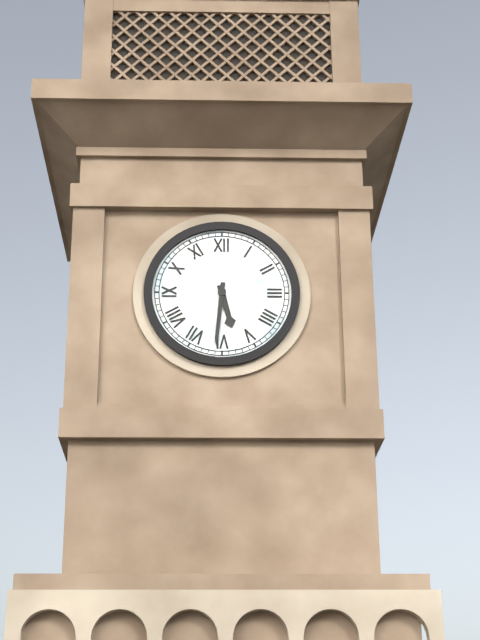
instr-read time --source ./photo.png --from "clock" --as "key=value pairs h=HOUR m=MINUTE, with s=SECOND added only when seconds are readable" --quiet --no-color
h=5 m=31
